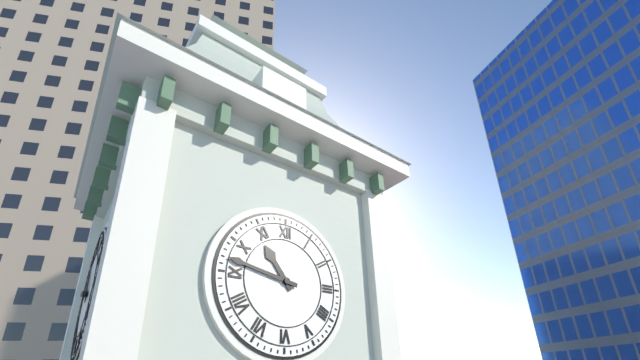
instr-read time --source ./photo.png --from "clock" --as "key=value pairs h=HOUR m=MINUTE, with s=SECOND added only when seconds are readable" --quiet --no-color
h=10 m=47
